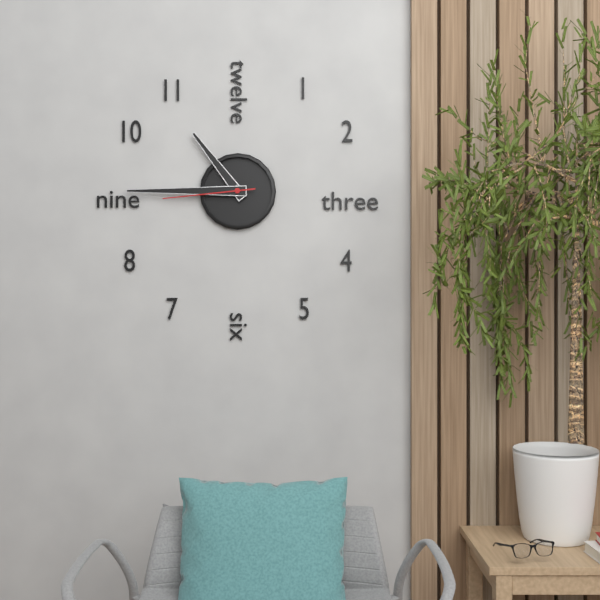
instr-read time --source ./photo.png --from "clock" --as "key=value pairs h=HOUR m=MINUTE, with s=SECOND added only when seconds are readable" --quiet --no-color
h=10 m=45 s=44
